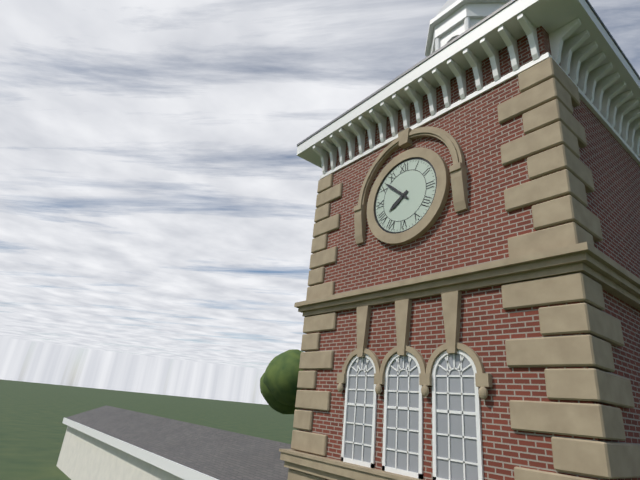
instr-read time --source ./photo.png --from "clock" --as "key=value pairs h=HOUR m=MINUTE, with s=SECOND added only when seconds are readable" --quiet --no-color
h=7 m=52
